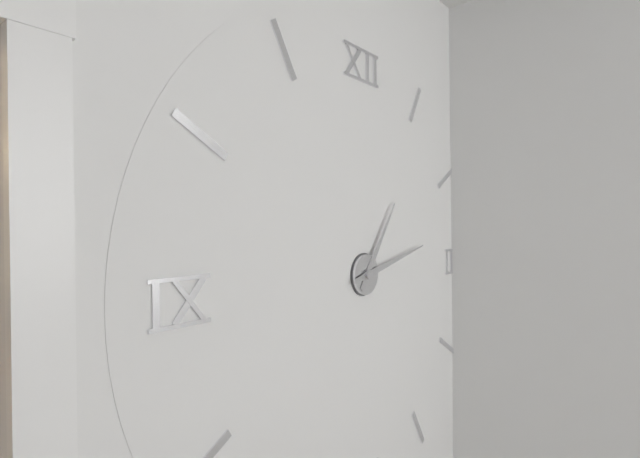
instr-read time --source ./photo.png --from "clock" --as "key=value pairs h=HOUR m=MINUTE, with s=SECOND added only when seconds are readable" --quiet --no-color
h=1 m=13
